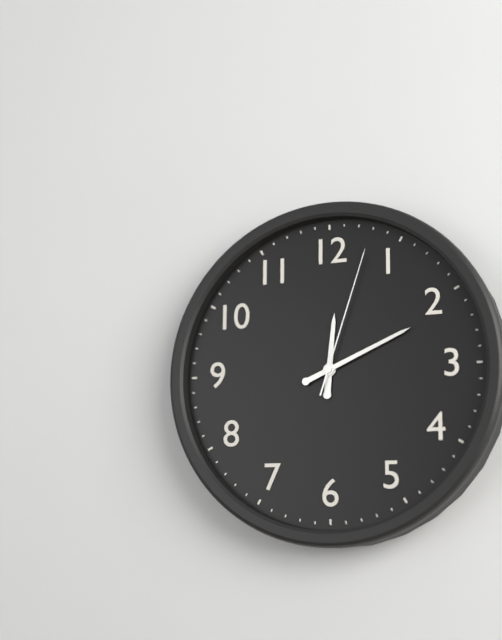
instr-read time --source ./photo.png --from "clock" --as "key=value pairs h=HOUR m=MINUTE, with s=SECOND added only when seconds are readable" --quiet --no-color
h=12 m=11 s=3
